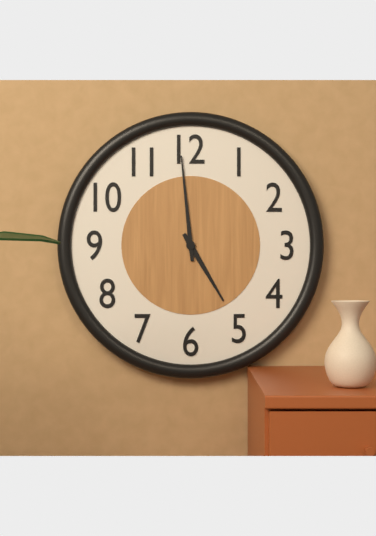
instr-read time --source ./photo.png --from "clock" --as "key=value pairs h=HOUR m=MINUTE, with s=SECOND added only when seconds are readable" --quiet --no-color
h=4 m=59
